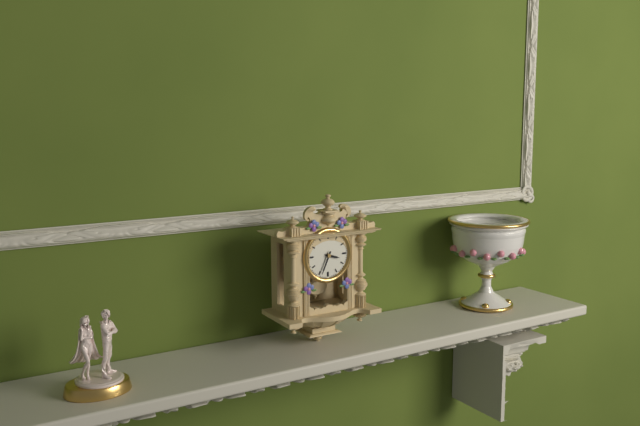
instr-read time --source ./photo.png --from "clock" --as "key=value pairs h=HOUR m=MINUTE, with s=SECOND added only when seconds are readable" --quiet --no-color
h=3 m=34
